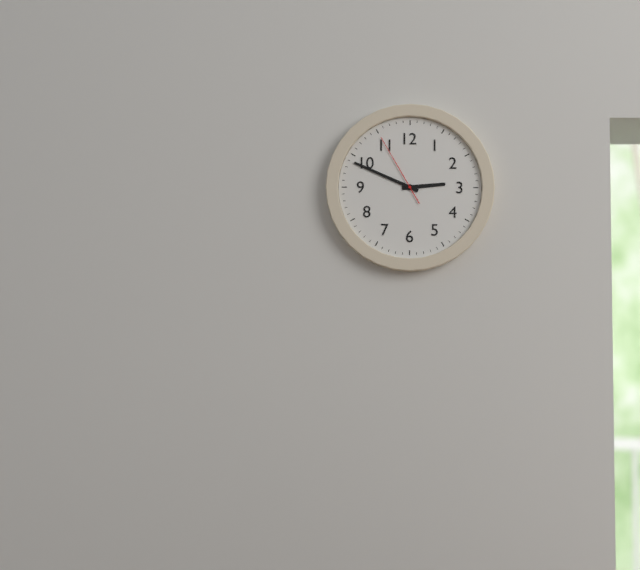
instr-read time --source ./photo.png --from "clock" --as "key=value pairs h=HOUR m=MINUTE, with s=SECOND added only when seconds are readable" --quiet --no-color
h=2 m=49 s=55
